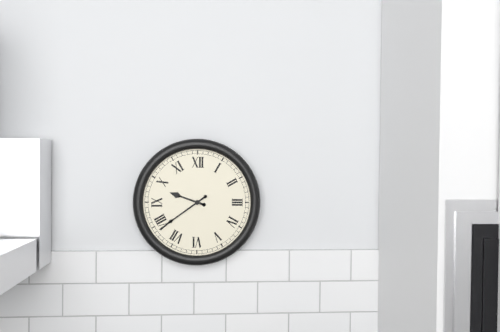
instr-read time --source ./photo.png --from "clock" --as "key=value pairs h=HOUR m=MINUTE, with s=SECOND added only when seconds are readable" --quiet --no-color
h=9 m=39
